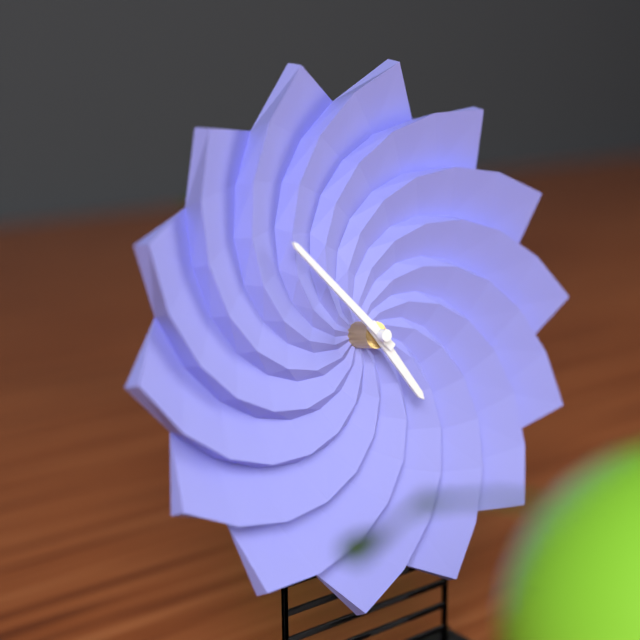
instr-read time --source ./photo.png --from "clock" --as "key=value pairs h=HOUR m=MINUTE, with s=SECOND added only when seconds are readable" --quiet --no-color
h=4 m=53
